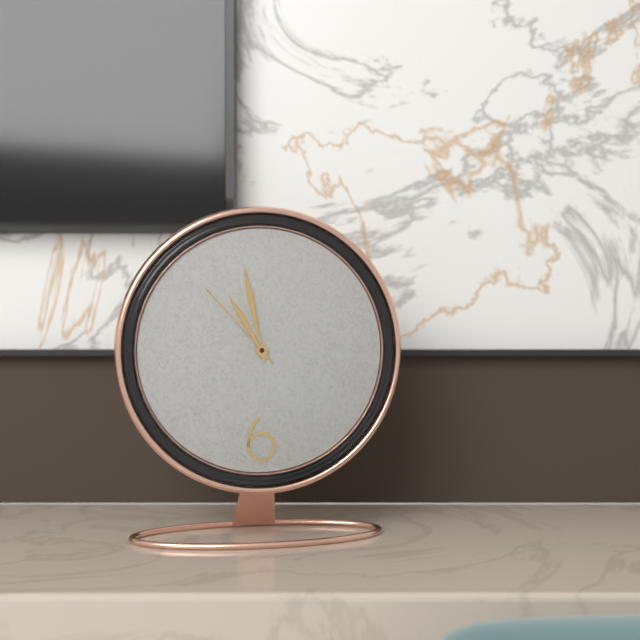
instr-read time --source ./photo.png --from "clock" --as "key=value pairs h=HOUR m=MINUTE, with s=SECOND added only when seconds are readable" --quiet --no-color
h=10 m=58 s=53
